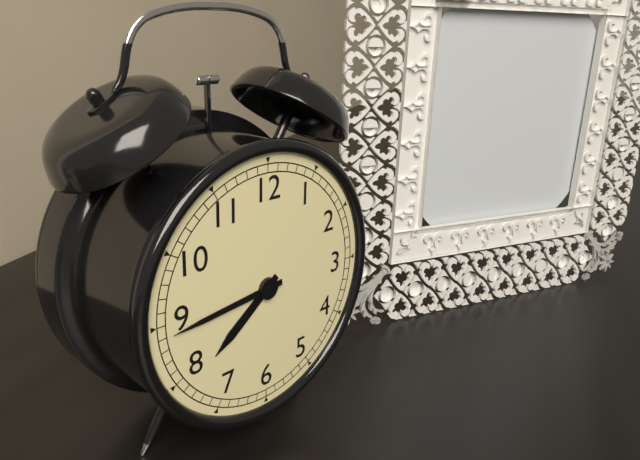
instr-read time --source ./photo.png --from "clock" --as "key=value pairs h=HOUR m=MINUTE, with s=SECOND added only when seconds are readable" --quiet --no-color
h=7 m=44
